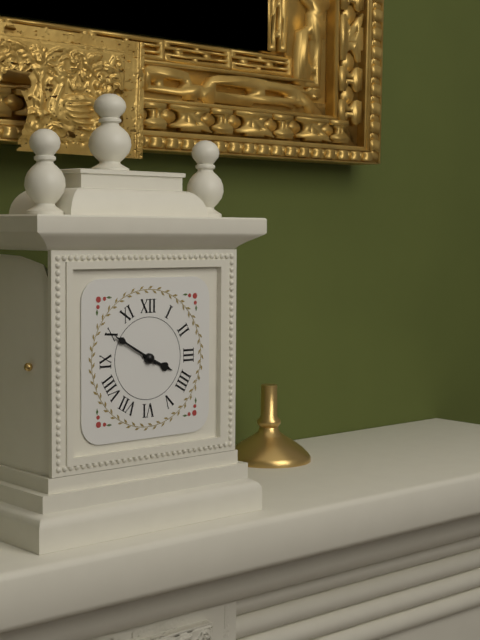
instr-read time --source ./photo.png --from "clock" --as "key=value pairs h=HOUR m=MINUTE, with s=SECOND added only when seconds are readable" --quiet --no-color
h=3 m=50
